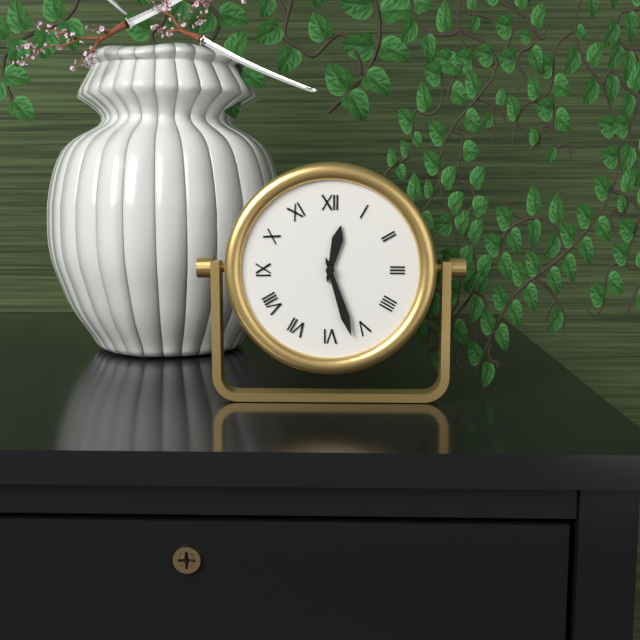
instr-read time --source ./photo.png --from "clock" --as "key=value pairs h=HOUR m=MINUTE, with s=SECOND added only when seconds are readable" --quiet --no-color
h=12 m=27
